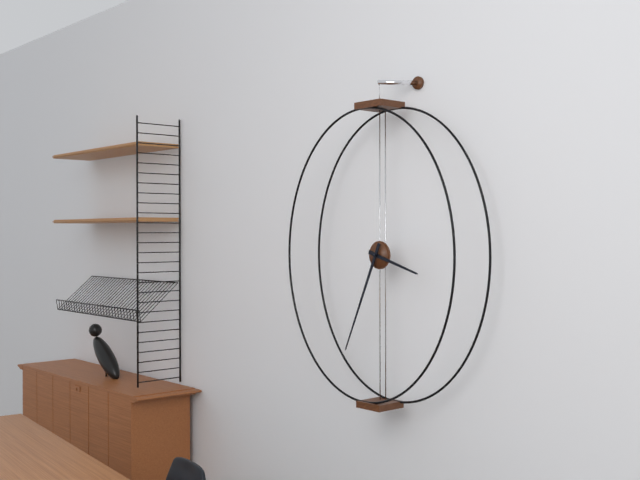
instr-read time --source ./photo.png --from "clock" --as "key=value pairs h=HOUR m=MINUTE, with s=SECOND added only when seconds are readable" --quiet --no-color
h=3 m=34
